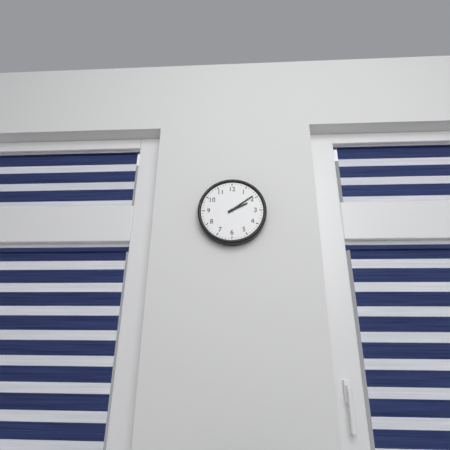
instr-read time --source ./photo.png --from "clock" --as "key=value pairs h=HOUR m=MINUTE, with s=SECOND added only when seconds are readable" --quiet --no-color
h=2 m=9
